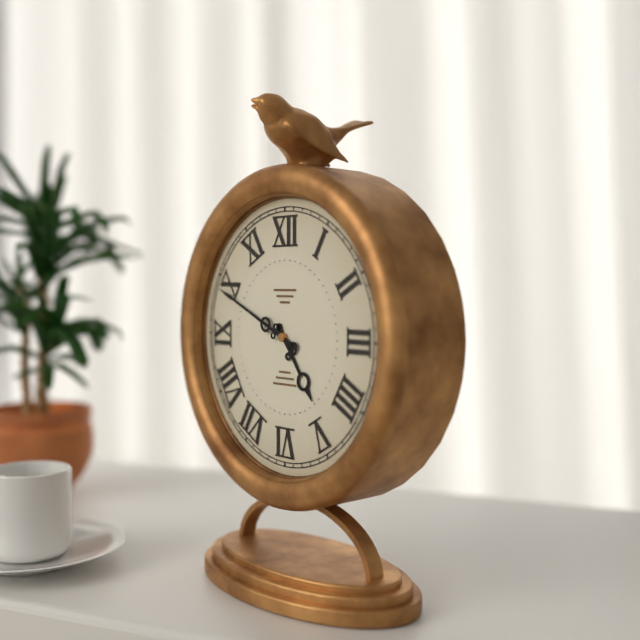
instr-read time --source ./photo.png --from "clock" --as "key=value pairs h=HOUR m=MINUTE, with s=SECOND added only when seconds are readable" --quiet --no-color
h=4 m=49
